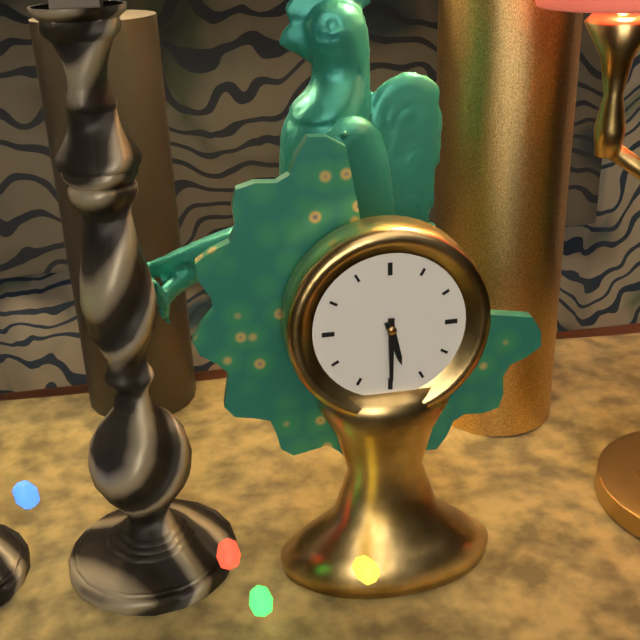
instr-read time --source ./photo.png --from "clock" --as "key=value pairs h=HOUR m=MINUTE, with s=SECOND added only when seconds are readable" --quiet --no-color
h=5 m=30
